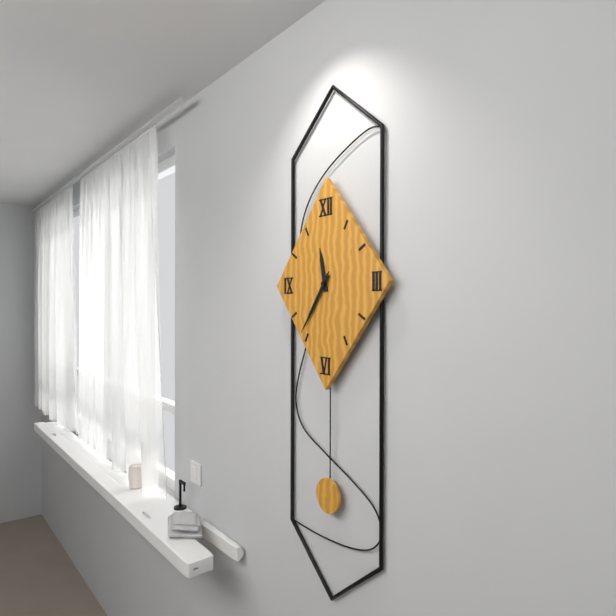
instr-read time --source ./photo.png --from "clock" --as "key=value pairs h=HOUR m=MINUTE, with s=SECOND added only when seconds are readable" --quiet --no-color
h=11 m=36 s=36
